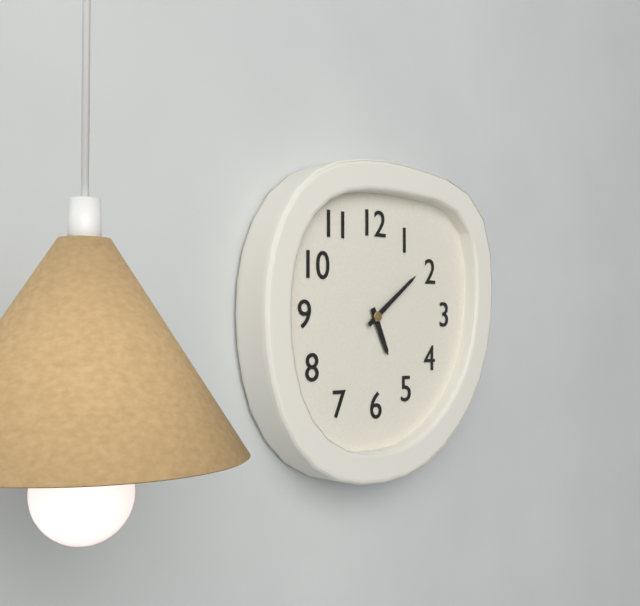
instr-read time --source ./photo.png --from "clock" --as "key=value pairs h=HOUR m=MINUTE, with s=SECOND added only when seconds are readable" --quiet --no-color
h=5 m=9
